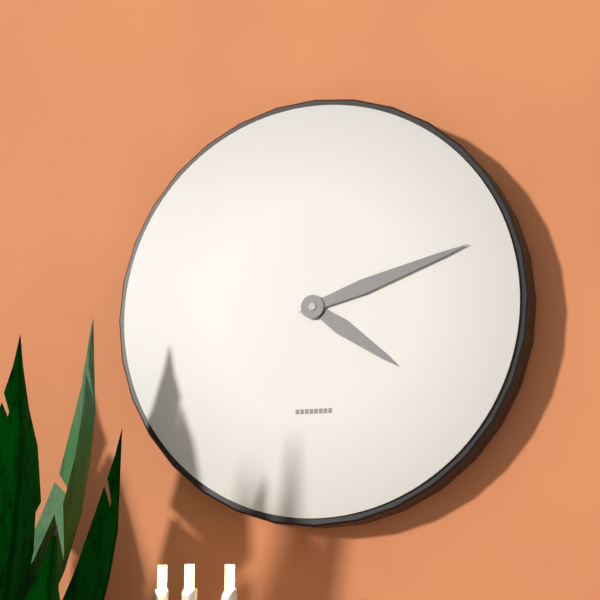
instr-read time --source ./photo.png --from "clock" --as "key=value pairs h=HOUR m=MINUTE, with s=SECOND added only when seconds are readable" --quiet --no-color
h=4 m=12
